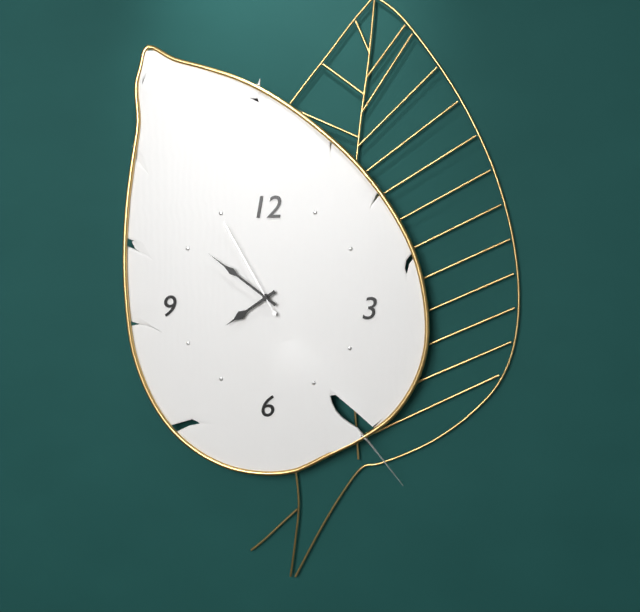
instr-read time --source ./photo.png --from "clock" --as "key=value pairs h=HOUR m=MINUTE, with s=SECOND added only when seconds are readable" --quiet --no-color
h=7 m=51 s=55
